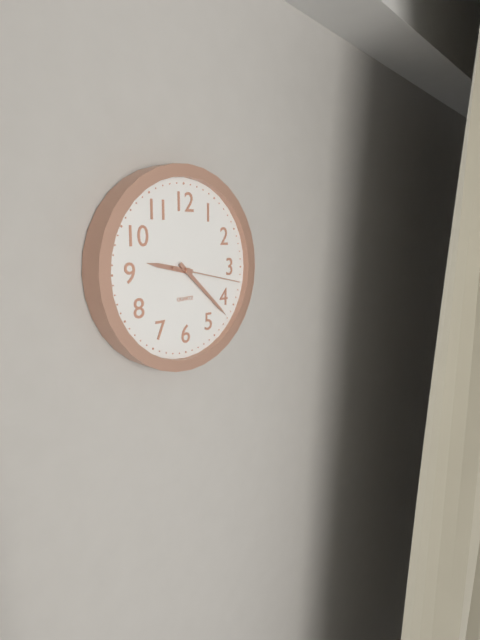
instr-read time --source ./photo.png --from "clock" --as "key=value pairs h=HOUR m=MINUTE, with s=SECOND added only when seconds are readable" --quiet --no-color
h=9 m=22 s=17
